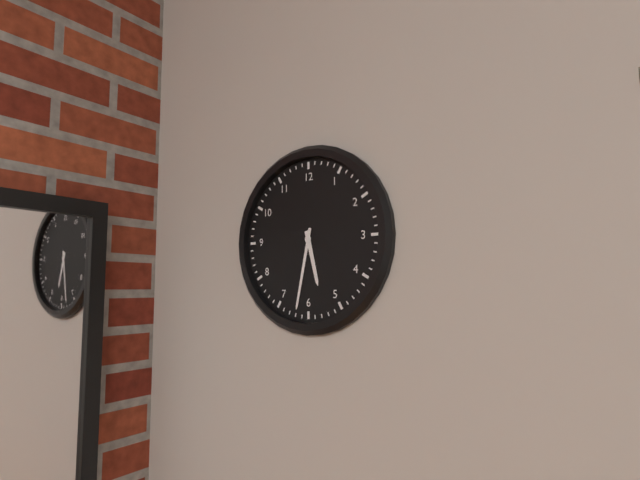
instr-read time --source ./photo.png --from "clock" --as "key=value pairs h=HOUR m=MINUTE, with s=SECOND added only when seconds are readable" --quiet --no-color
h=5 m=32
